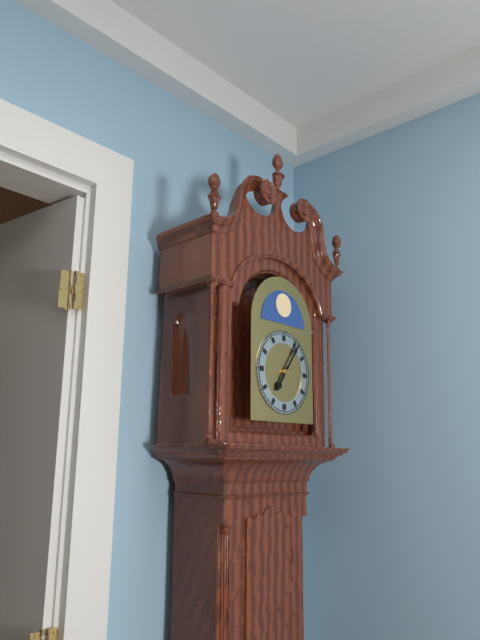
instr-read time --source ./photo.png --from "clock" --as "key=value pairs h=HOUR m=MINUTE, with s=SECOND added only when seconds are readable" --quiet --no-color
h=7 m=6
